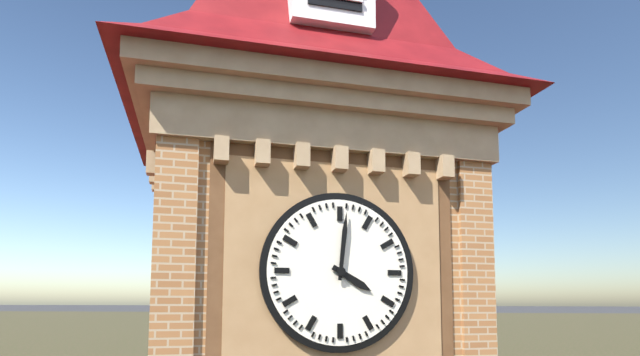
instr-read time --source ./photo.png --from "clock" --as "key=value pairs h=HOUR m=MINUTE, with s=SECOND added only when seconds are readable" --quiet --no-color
h=4 m=1
